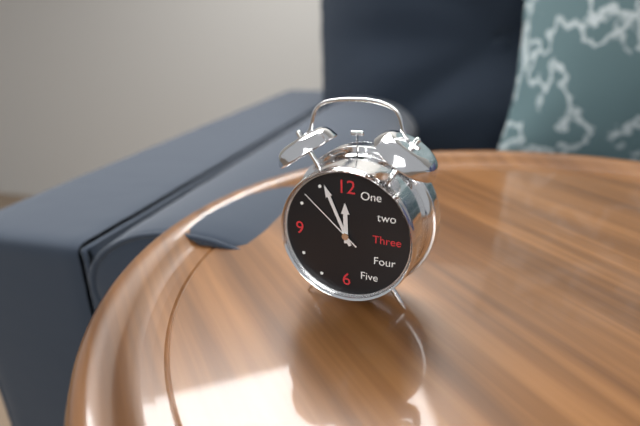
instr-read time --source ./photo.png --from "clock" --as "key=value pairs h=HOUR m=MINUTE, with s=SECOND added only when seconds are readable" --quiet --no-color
h=11 m=56 s=52
